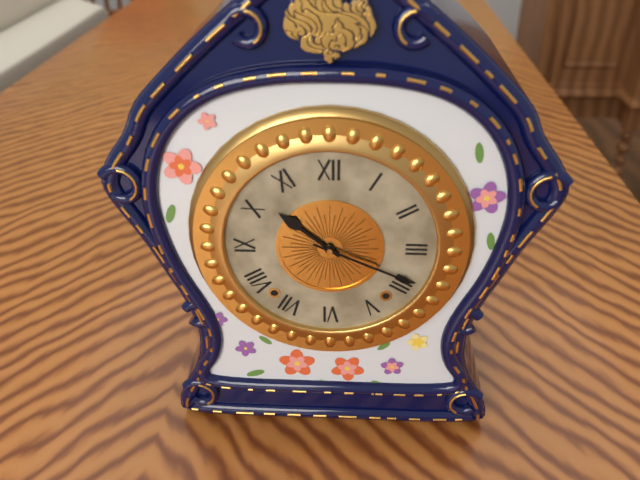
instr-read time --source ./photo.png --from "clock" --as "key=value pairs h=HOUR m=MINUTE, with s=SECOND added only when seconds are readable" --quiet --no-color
h=10 m=19
